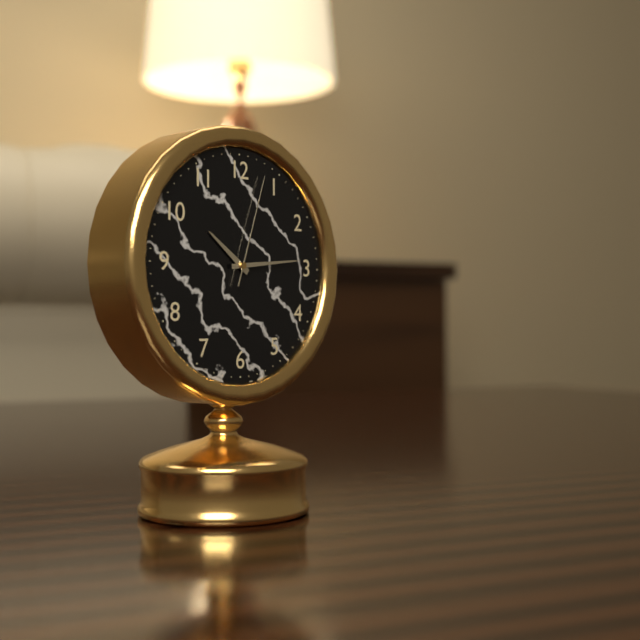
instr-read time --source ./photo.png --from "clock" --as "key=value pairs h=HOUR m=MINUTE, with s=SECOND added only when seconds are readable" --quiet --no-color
h=10 m=14 s=3
